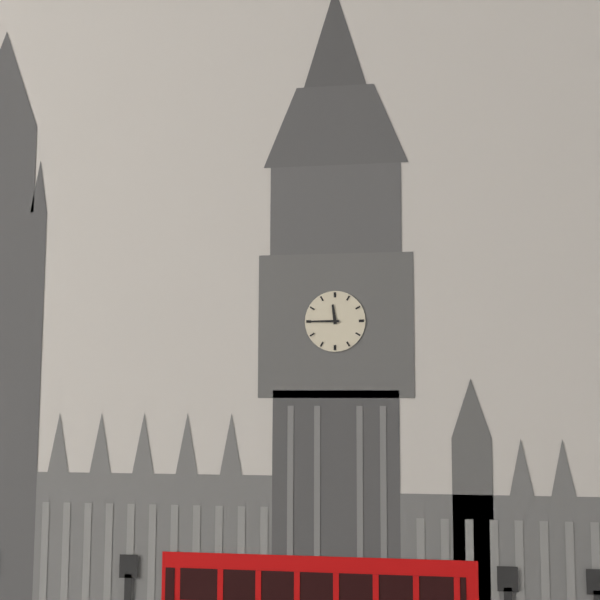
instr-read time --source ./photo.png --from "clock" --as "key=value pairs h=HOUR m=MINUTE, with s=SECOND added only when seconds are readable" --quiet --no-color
h=11 m=45
